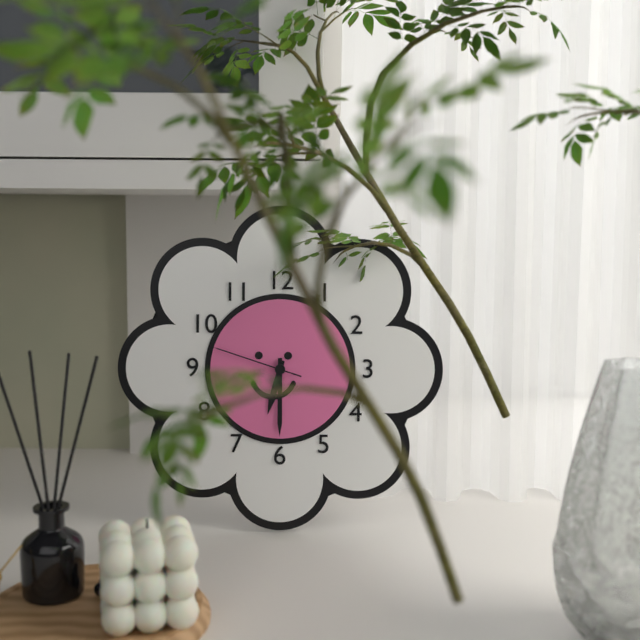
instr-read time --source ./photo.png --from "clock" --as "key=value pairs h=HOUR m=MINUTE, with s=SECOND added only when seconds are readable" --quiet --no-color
h=6 m=30 s=48
